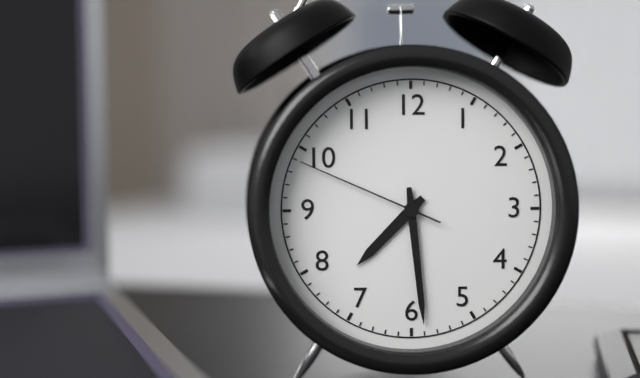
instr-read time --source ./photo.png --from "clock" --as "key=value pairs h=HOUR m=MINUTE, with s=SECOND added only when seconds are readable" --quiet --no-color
h=7 m=29 s=49
